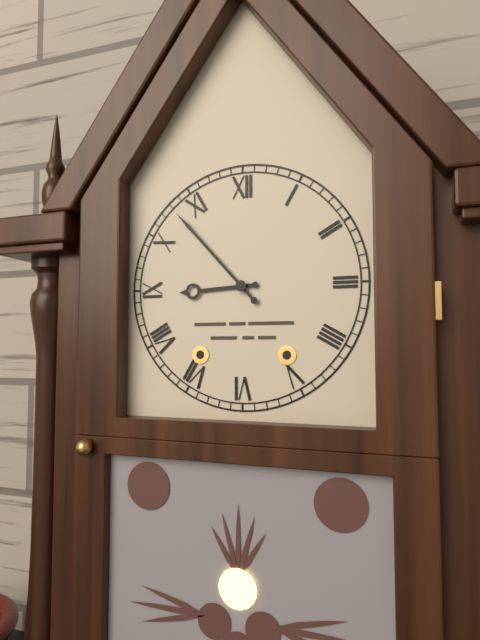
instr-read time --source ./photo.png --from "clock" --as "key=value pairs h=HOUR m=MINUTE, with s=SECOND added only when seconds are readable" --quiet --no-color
h=8 m=53
